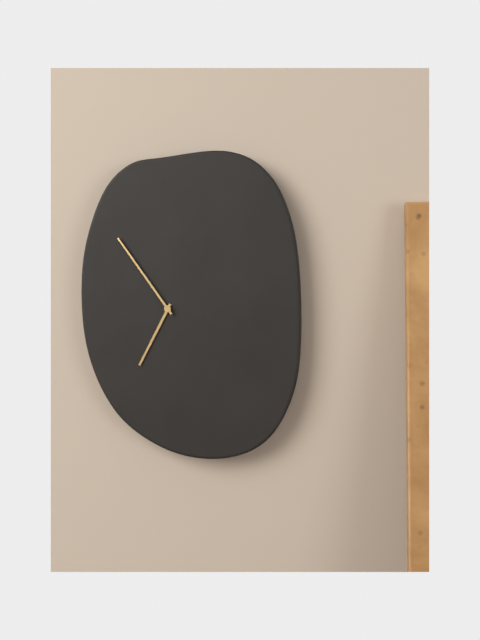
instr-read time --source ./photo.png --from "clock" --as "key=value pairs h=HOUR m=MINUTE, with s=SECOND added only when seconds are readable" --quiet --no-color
h=6 m=54
